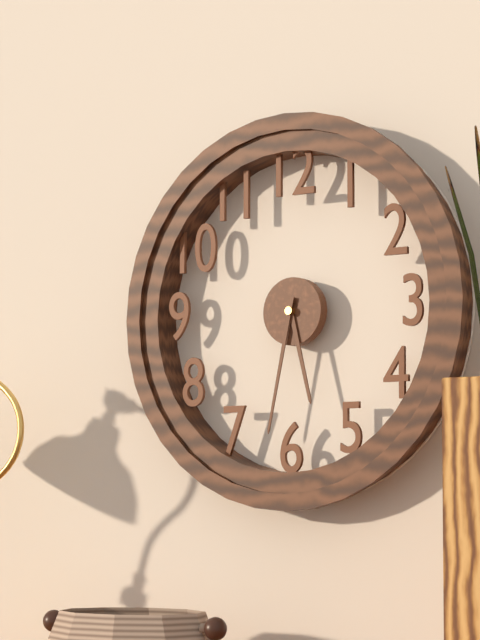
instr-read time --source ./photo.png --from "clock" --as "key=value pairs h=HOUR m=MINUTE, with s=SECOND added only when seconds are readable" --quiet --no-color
h=5 m=32
